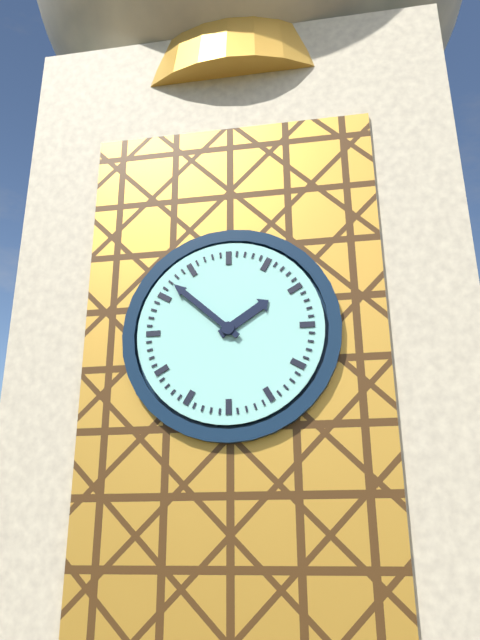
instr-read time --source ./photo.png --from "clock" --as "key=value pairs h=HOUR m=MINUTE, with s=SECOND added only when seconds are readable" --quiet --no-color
h=1 m=52
